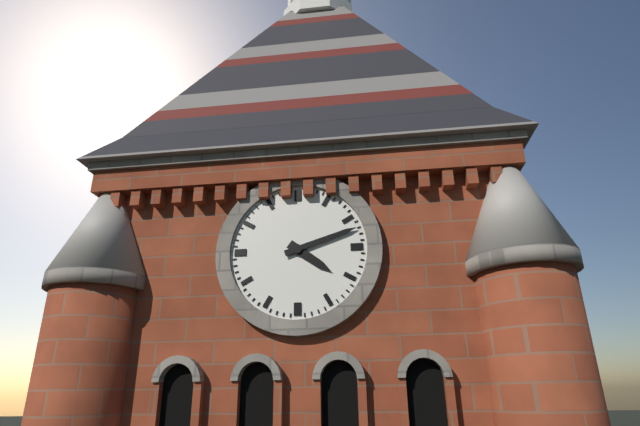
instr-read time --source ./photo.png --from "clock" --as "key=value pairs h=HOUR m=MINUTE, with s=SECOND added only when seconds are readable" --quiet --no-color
h=4 m=12
